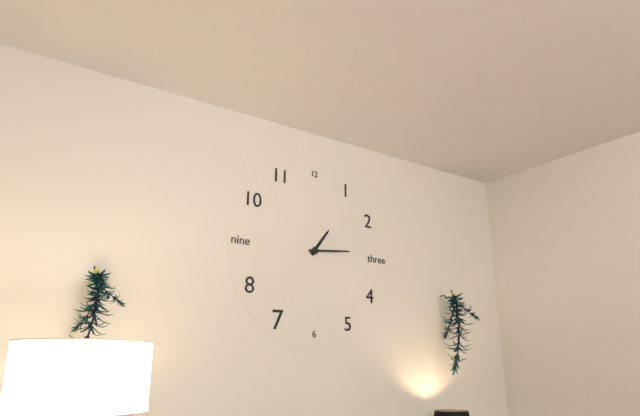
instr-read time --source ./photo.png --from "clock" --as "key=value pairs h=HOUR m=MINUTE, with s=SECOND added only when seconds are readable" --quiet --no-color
h=1 m=14
